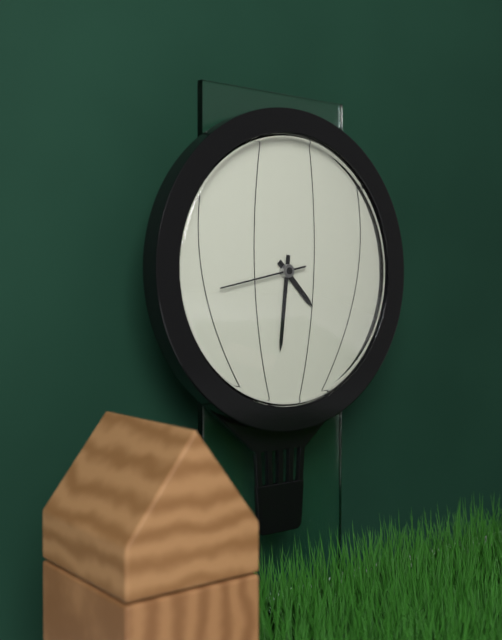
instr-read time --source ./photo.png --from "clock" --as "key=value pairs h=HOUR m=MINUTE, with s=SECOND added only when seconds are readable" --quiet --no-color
h=4 m=31 s=43
